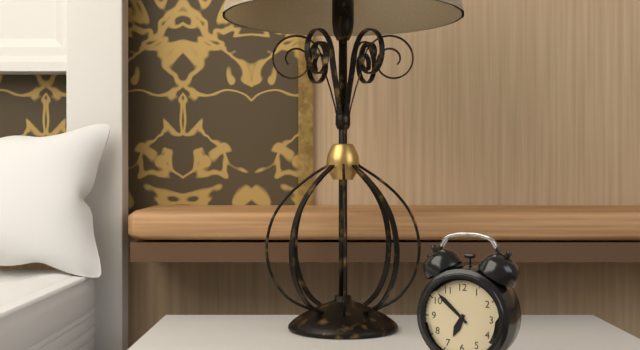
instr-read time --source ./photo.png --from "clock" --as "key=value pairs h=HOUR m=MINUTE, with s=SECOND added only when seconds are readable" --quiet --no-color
h=6 m=52
